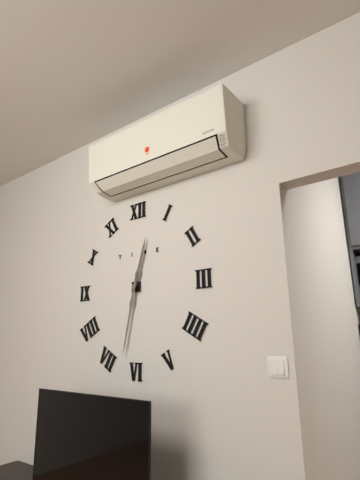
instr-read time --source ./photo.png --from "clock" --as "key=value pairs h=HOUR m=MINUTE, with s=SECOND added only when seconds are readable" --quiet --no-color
h=12 m=32
